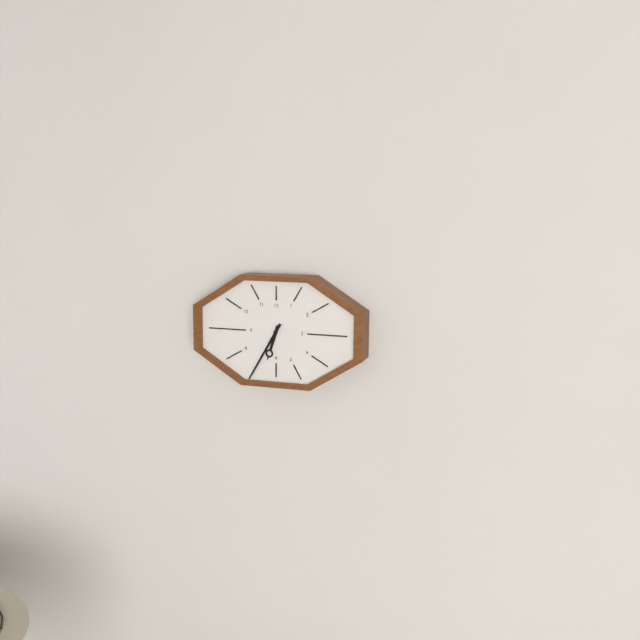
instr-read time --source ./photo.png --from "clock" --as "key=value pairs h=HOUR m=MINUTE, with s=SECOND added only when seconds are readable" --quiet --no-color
h=6 m=35
